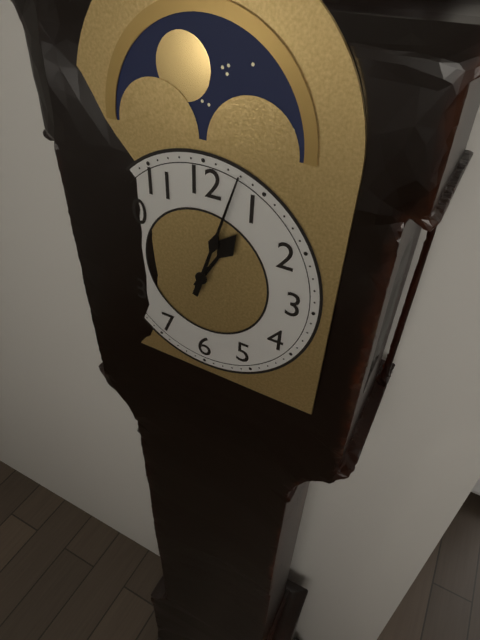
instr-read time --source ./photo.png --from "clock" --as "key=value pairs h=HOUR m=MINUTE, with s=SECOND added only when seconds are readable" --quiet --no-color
h=1 m=3
